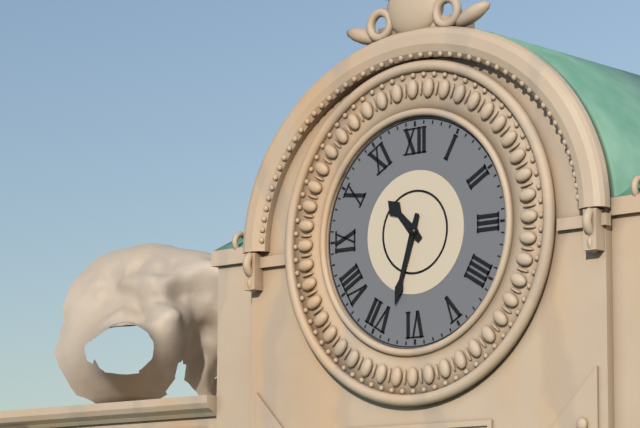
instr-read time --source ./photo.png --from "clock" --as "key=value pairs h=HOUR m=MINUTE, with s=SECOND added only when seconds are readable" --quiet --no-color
h=10 m=33
